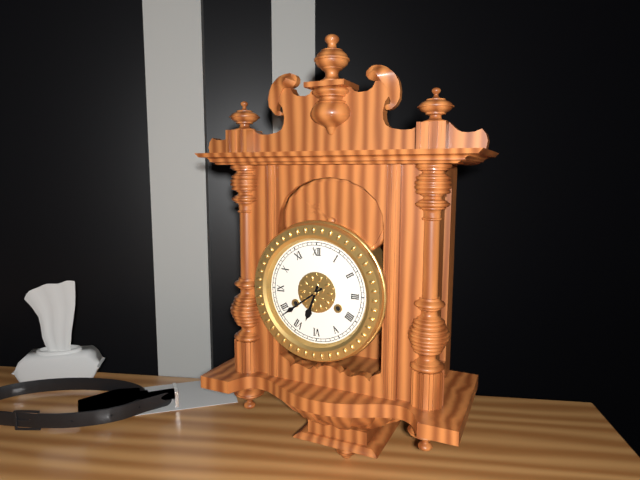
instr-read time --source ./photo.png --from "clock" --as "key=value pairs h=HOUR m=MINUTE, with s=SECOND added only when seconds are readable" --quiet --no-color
h=6 m=39
